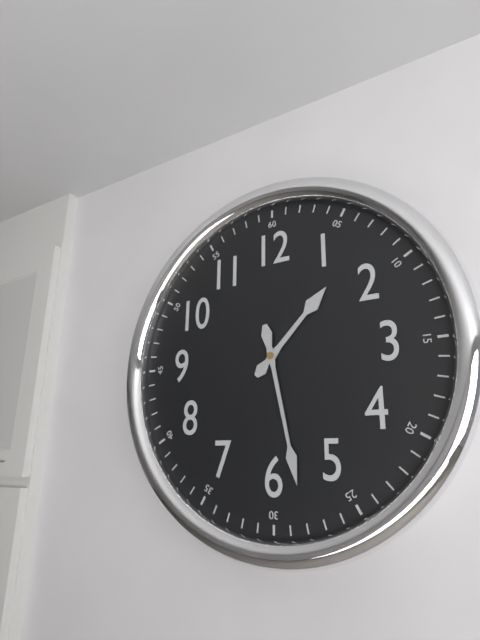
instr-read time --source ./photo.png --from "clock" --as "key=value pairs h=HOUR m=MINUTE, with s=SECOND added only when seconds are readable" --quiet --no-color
h=1 m=28
